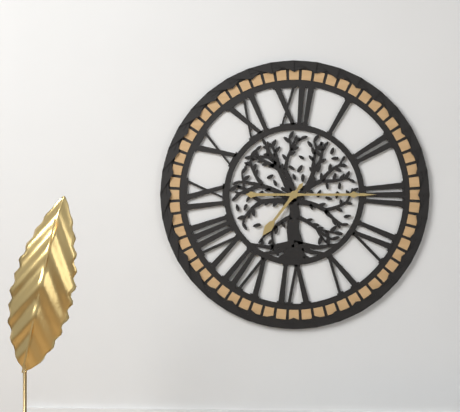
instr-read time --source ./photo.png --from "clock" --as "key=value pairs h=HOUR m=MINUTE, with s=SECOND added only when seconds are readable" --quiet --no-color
h=7 m=15
